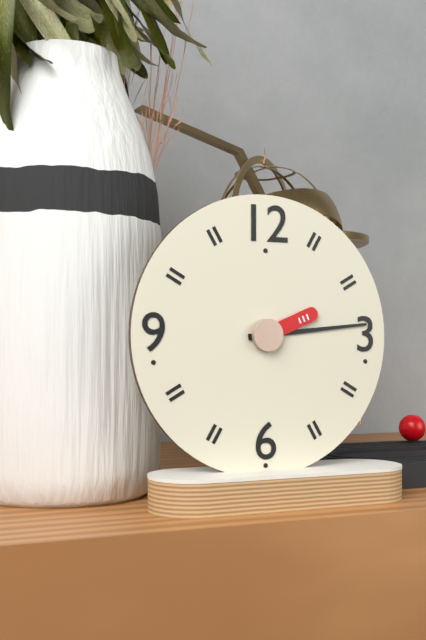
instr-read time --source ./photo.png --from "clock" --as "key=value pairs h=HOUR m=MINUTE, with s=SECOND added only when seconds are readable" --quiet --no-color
h=2 m=14
